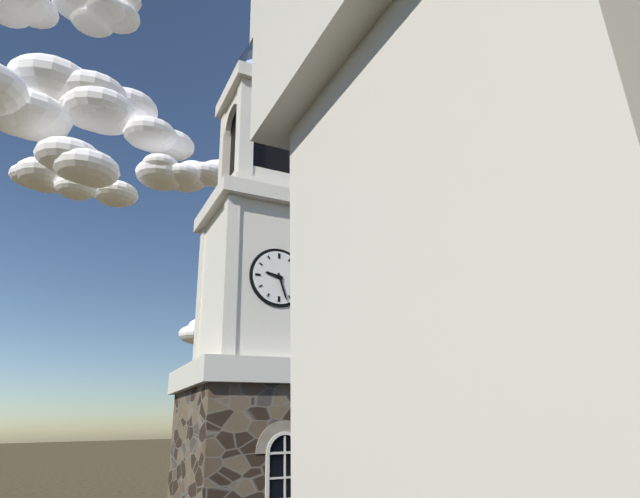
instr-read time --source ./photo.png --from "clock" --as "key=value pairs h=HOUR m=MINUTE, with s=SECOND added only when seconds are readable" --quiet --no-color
h=9 m=27
